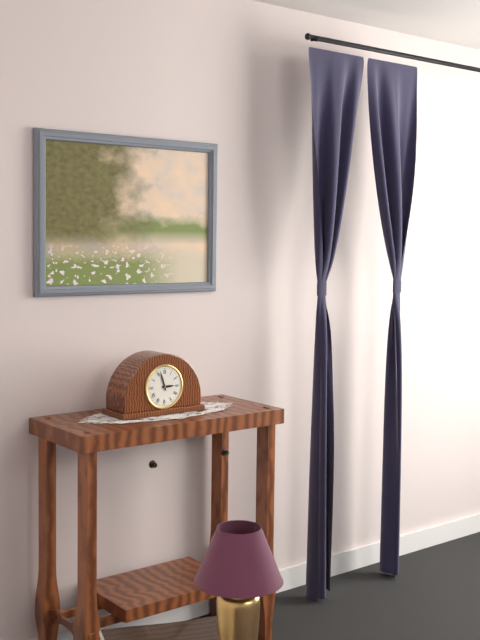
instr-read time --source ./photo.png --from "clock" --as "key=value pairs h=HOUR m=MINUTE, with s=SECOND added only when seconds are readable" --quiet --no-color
h=2 m=57
